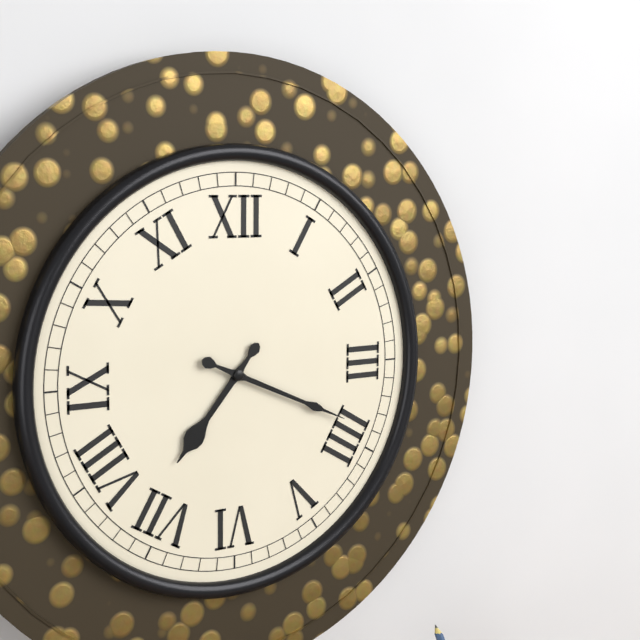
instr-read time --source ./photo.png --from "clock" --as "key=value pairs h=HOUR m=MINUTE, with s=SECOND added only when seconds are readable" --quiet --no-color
h=7 m=19
